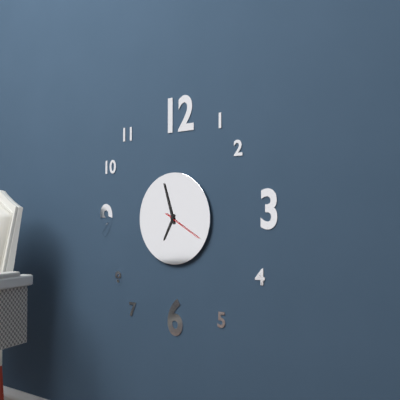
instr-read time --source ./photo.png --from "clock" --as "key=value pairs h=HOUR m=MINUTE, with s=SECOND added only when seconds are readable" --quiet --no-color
h=6 m=57
